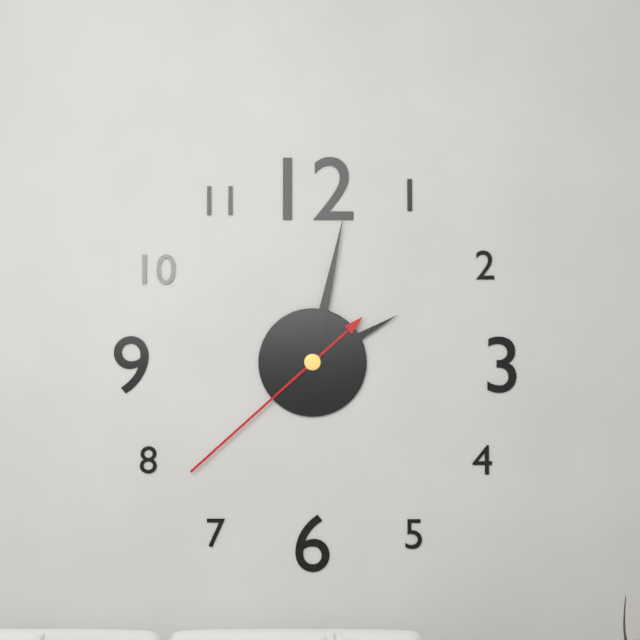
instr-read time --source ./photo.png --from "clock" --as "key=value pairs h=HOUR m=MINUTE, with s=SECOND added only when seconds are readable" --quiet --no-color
h=2 m=2 s=38
